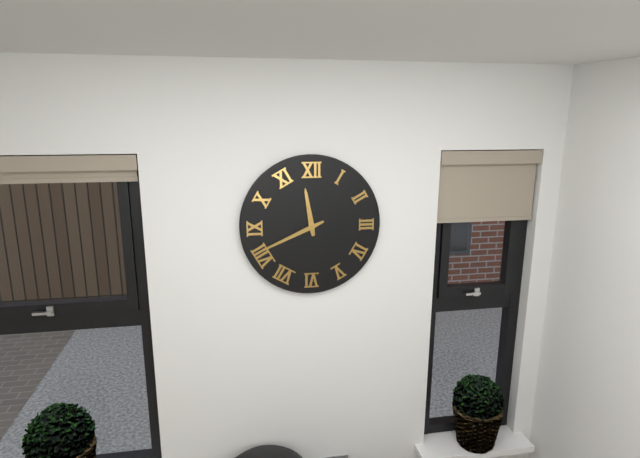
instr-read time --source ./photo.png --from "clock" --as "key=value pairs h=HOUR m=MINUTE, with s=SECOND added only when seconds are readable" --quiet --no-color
h=11 m=41
